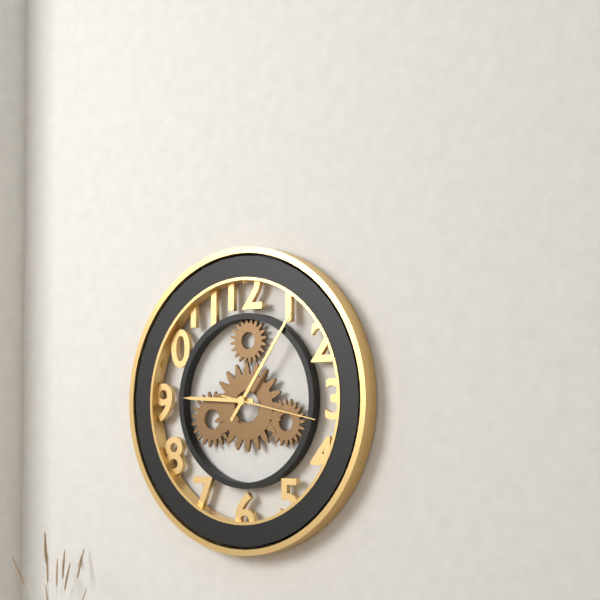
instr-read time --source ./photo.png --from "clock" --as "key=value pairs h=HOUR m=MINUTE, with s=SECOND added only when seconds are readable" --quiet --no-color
h=9 m=6 s=17
